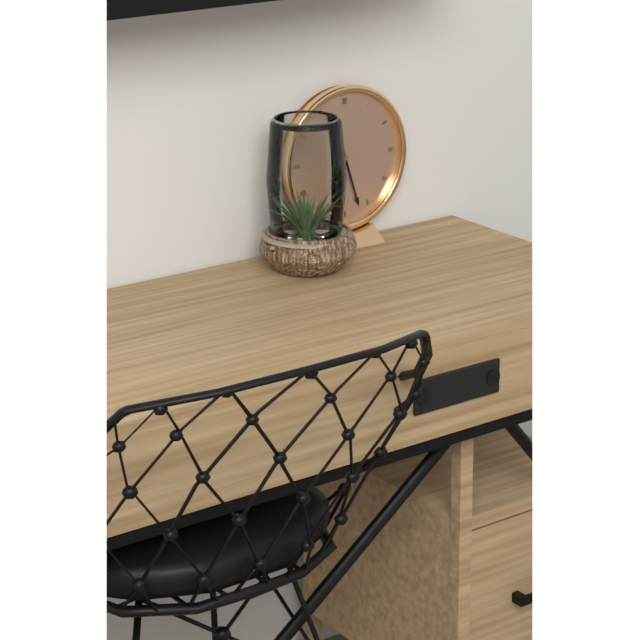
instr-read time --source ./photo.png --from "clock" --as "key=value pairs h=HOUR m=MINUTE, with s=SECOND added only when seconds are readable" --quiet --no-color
h=11 m=27
